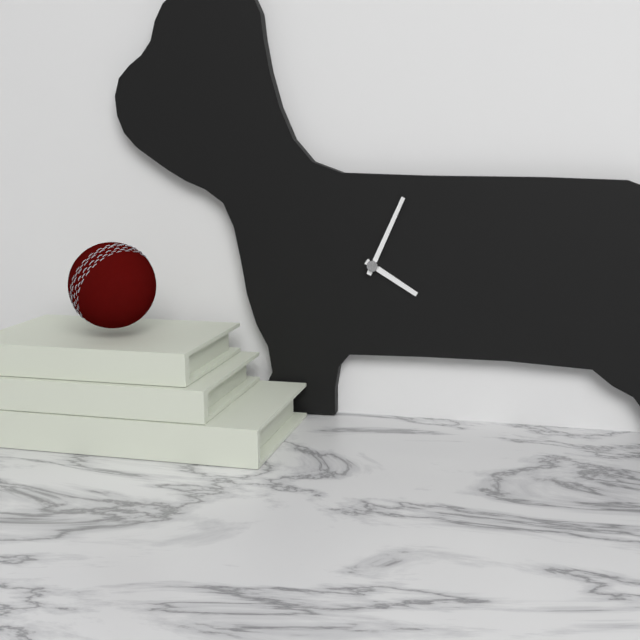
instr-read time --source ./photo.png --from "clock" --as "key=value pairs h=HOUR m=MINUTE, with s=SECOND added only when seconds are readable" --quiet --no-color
h=4 m=4
